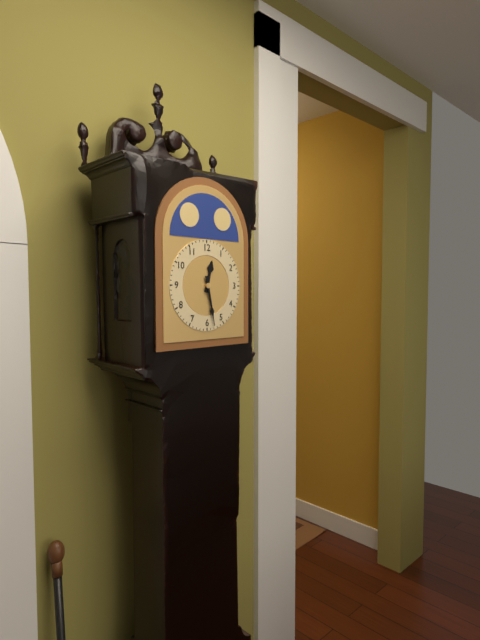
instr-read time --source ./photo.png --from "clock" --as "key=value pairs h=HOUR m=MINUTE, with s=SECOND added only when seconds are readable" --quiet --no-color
h=12 m=28
